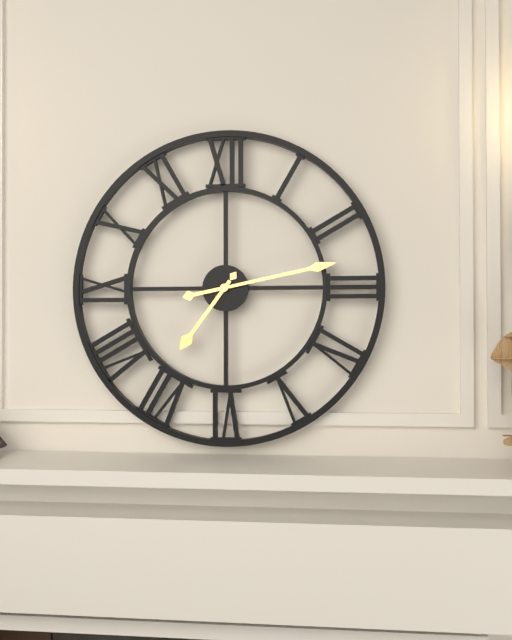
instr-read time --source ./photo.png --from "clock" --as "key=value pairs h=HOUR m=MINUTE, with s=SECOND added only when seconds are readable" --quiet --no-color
h=7 m=13
